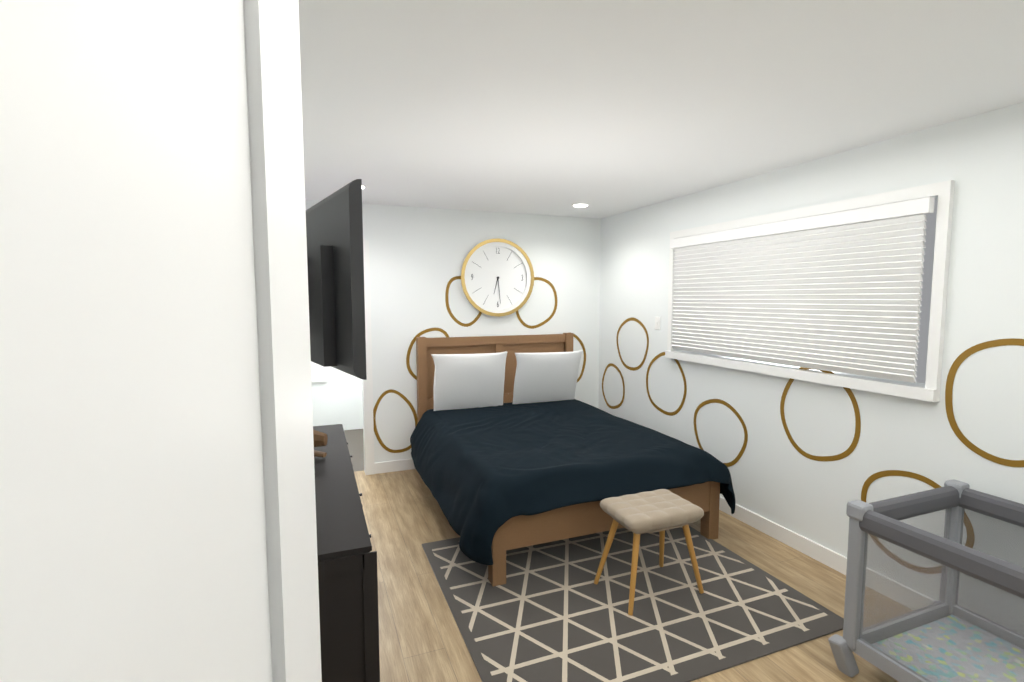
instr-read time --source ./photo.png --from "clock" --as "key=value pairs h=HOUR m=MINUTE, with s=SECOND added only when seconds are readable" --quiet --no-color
h=6 m=29
